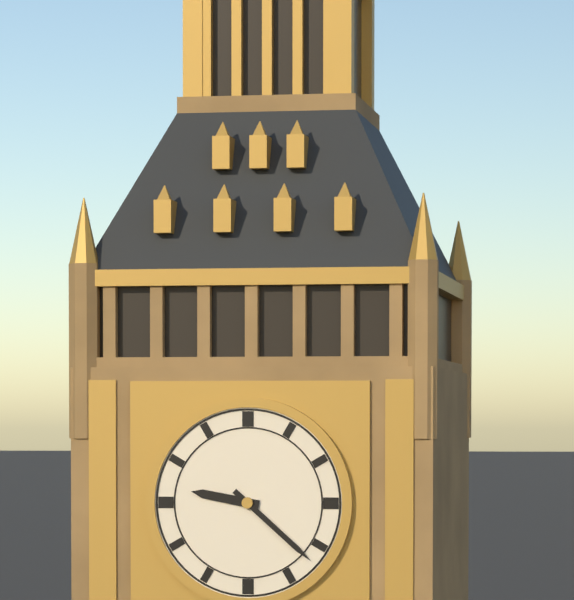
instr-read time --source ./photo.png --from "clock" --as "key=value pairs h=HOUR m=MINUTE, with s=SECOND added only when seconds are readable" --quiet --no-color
h=9 m=22
